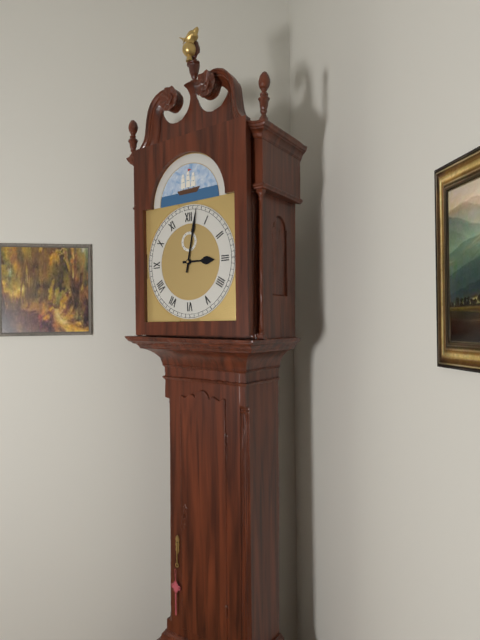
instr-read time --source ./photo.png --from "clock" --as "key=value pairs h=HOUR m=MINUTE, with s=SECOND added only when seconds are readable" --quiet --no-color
h=3 m=2
